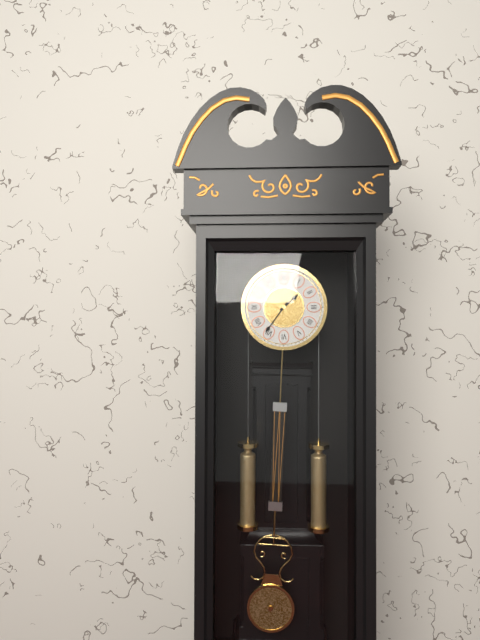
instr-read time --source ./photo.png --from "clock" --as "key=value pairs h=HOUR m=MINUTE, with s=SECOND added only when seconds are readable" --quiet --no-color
h=1 m=36
